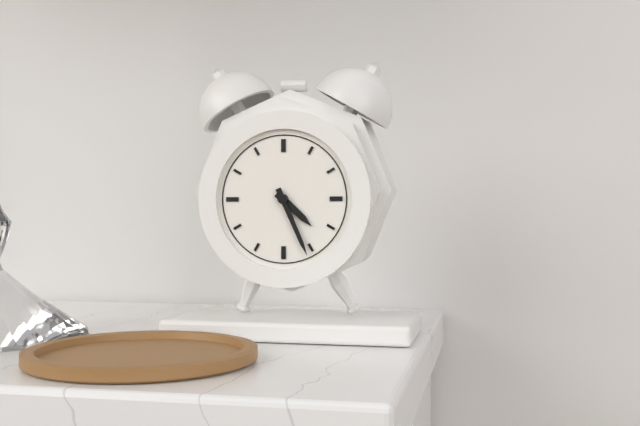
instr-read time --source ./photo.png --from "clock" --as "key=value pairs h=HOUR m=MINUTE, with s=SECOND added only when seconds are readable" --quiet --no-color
h=4 m=26
